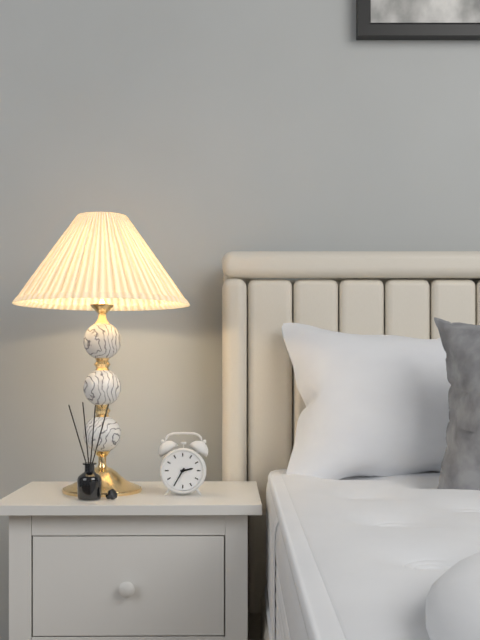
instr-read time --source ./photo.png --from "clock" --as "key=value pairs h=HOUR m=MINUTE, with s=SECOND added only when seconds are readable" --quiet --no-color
h=2 m=35
